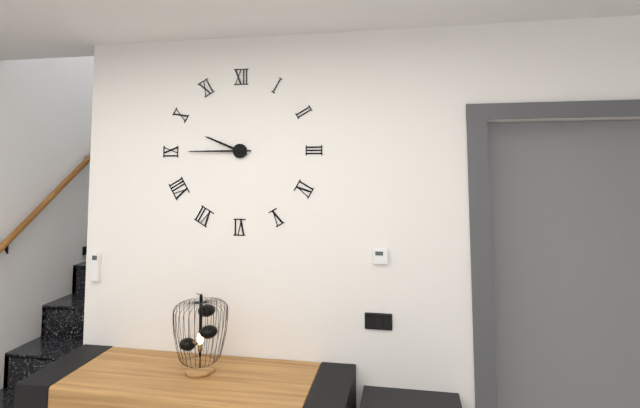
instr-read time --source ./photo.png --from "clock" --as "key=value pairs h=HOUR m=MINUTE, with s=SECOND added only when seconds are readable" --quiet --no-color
h=9 m=45
